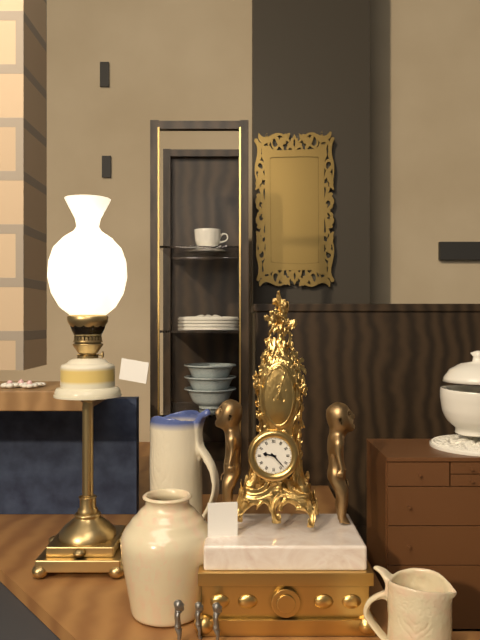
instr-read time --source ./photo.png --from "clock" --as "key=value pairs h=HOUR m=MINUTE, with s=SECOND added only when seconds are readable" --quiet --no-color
h=9 m=23
